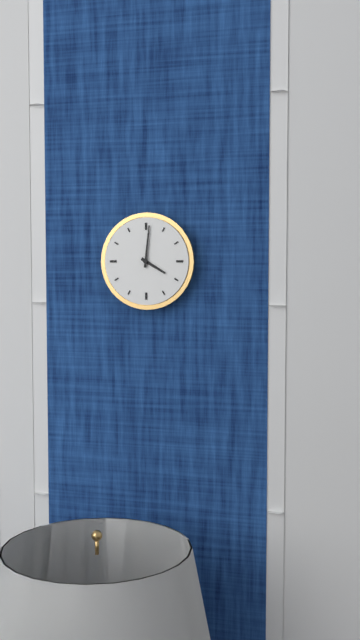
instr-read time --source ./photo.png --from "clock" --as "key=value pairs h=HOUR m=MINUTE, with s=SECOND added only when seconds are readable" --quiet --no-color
h=4 m=1
